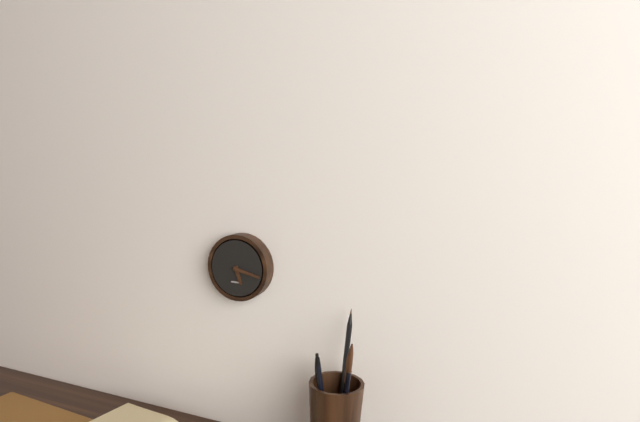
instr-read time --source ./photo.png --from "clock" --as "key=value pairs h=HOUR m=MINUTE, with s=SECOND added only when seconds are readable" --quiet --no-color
h=5 m=17
